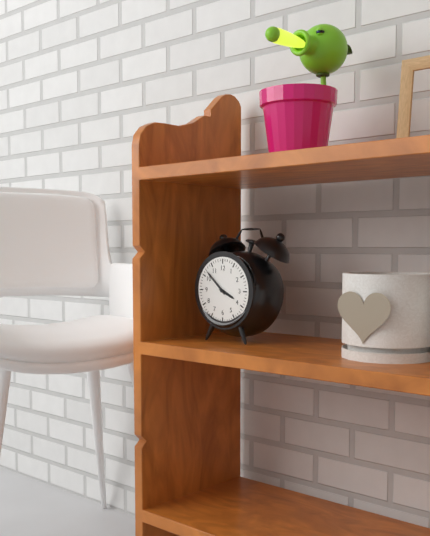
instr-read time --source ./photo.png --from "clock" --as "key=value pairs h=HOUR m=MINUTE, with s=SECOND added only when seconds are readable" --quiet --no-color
h=3 m=52
